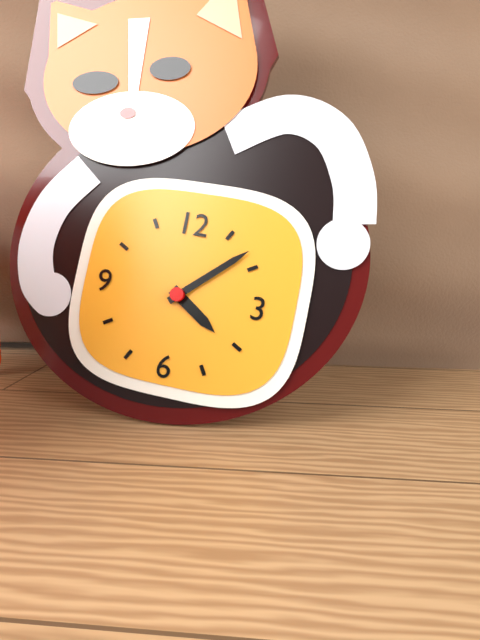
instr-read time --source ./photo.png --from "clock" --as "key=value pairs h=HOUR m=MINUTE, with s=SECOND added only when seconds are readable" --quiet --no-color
h=4 m=8
